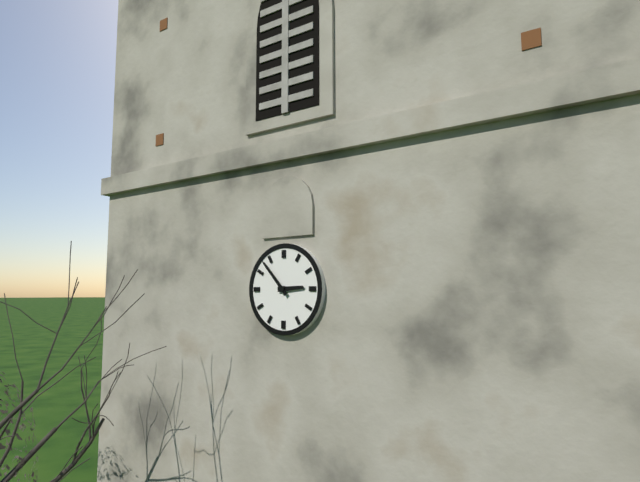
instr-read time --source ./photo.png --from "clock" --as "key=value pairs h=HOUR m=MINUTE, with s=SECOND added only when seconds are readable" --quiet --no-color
h=2 m=53
